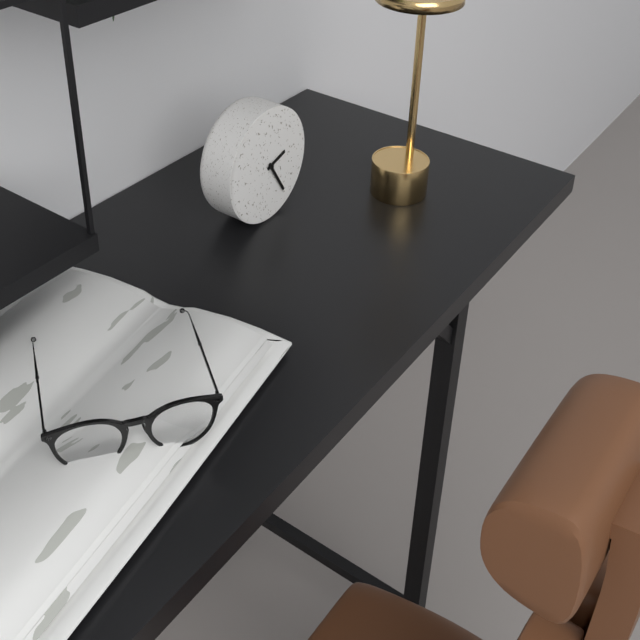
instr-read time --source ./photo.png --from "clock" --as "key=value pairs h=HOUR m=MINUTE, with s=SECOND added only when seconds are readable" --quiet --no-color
h=2 m=25
